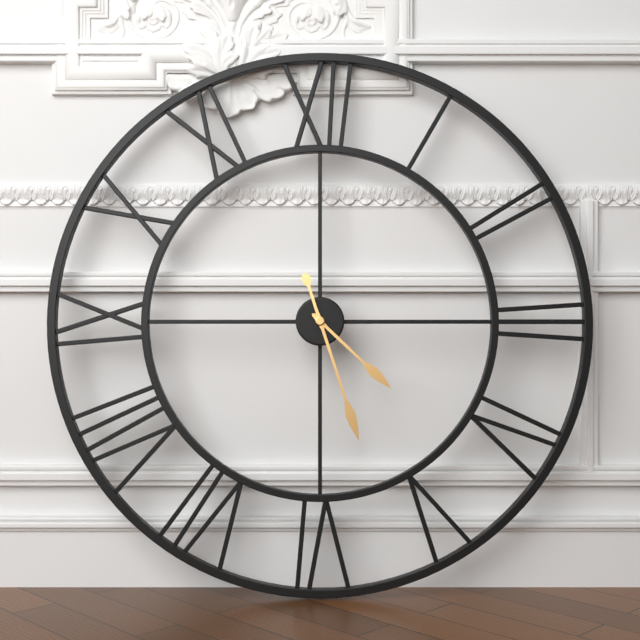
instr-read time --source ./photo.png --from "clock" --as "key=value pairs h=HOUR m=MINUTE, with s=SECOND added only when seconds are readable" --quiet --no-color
h=4 m=27
